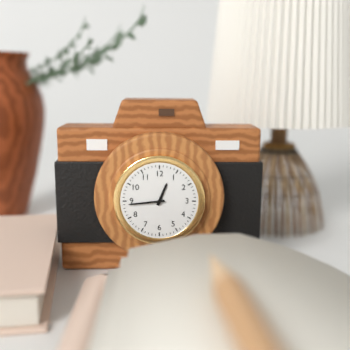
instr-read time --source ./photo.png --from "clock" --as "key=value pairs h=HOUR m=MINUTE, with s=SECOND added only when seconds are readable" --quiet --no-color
h=12 m=44
